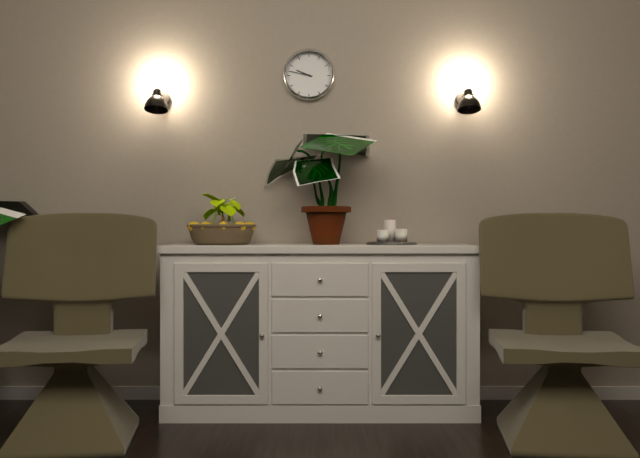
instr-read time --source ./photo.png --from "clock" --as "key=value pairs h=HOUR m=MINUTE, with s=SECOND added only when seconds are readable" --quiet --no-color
h=9 m=47
